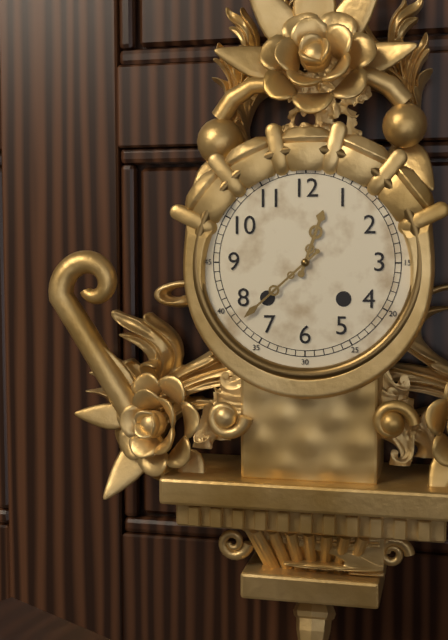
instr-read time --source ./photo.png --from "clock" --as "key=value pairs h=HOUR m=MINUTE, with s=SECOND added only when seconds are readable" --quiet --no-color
h=12 m=38
